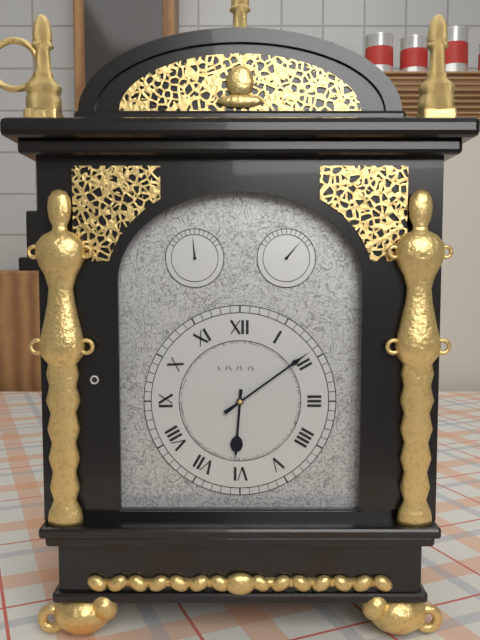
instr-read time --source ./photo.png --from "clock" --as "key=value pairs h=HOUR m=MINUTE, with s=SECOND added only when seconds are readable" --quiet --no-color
h=6 m=9
